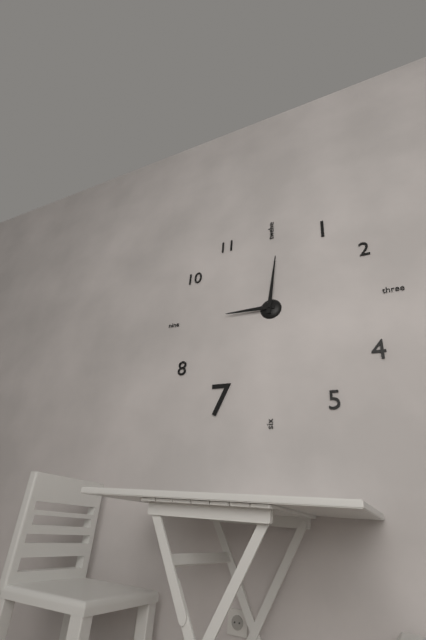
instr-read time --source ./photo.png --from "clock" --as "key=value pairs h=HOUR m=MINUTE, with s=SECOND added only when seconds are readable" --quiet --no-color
h=9 m=1
